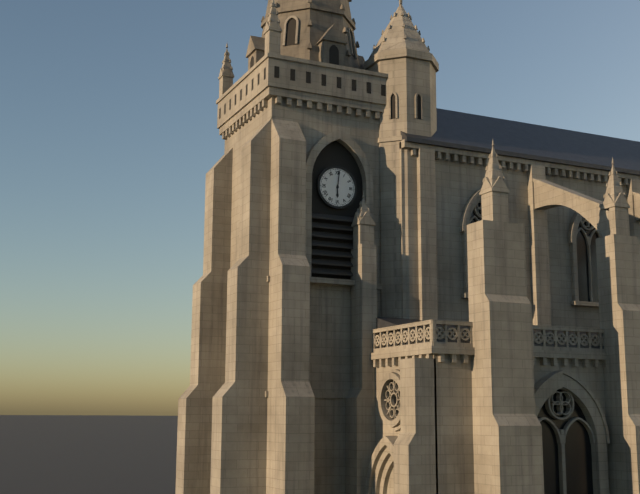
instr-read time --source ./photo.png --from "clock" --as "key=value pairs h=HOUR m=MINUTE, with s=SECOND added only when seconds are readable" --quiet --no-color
h=6 m=1
